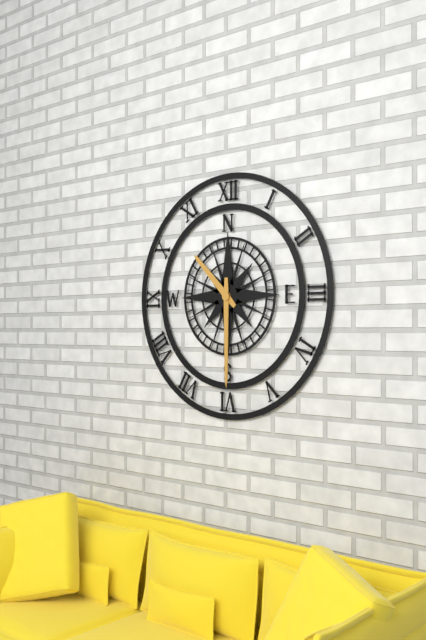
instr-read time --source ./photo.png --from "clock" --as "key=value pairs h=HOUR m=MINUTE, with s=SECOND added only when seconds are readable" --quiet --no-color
h=10 m=30
